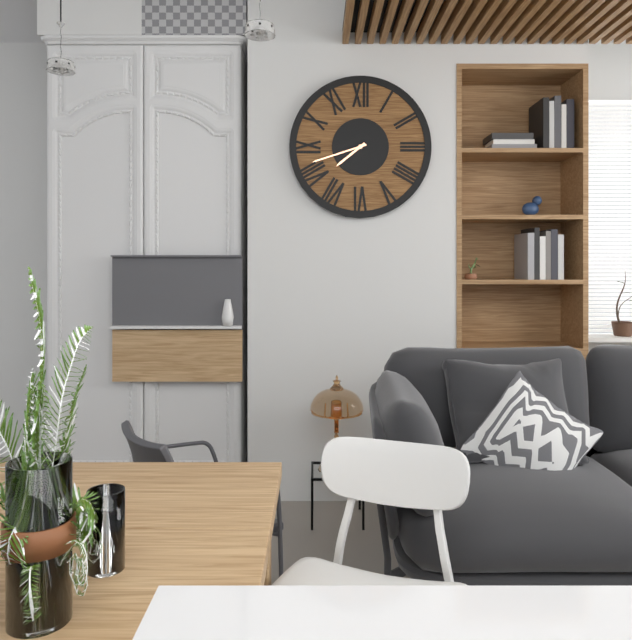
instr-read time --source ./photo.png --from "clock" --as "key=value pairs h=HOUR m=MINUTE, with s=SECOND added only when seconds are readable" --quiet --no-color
h=7 m=42
